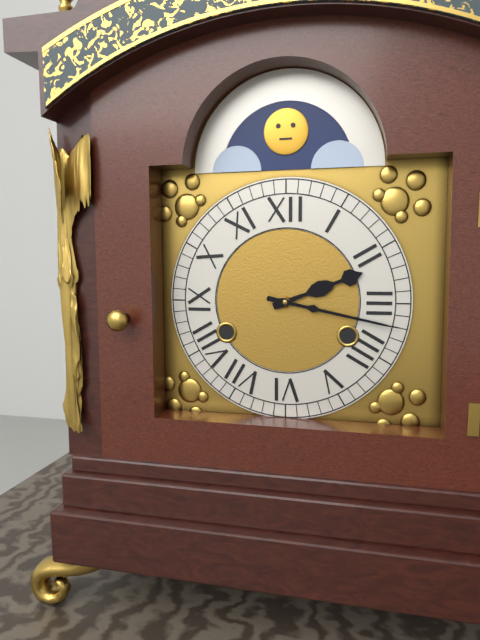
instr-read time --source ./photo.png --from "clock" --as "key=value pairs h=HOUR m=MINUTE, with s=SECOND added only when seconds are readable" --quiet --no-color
h=2 m=17
